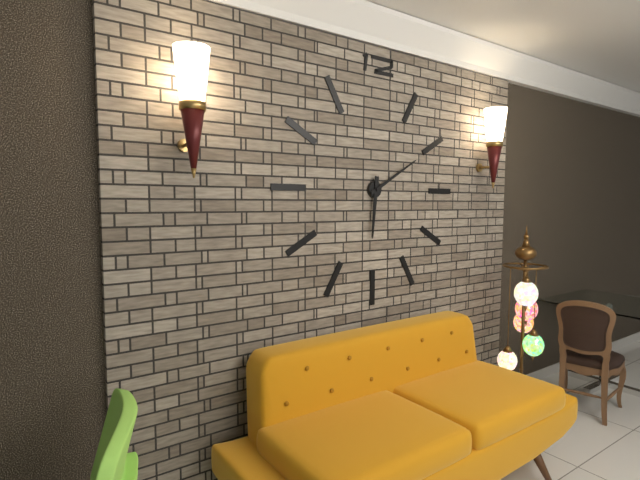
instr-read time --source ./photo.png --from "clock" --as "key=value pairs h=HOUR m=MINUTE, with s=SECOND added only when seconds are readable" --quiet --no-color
h=6 m=10
